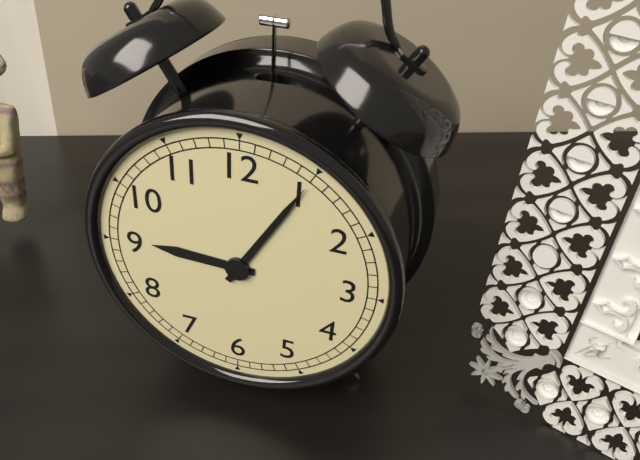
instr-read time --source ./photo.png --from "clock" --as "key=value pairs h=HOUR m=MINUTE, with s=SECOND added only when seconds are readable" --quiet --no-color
h=9 m=5
